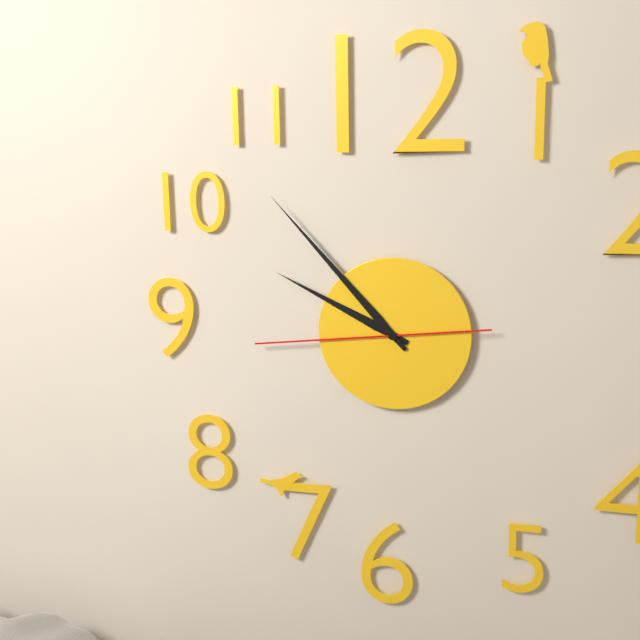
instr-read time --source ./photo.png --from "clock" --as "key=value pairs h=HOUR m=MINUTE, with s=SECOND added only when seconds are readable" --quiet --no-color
h=9 m=53 s=44
